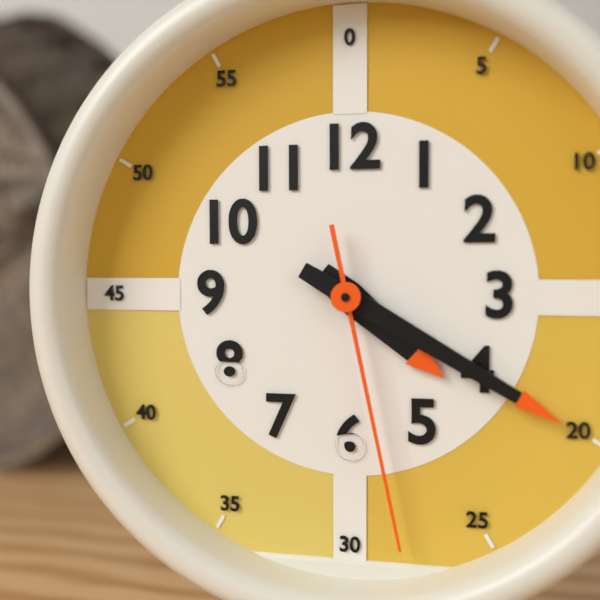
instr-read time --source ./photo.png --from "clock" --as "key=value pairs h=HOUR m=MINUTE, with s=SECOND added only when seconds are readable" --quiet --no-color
h=4 m=20 s=28
